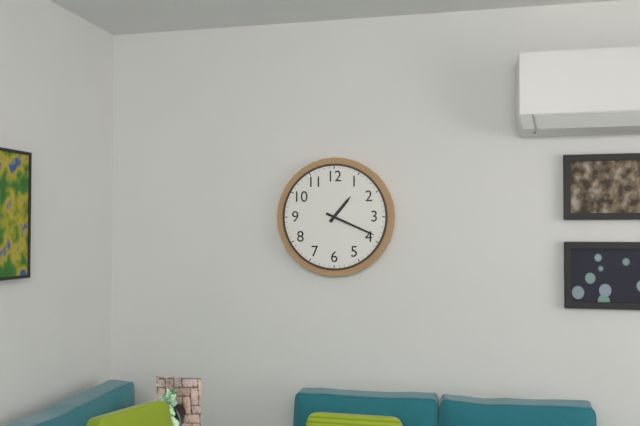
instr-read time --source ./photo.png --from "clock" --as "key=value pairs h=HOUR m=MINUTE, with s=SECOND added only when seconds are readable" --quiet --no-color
h=1 m=19
